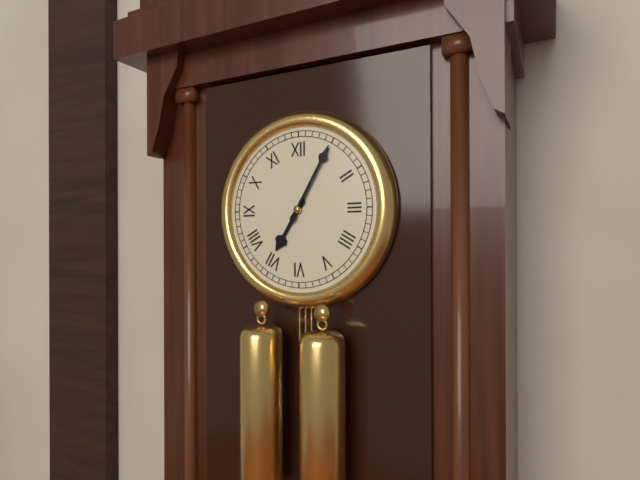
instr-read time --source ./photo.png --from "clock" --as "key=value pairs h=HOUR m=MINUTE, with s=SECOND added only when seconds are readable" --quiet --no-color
h=7 m=5
